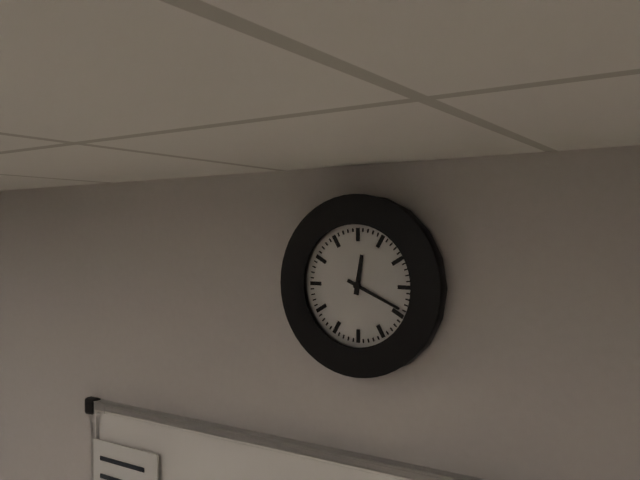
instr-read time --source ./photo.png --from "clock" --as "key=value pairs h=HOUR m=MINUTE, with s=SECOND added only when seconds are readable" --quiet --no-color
h=12 m=19
